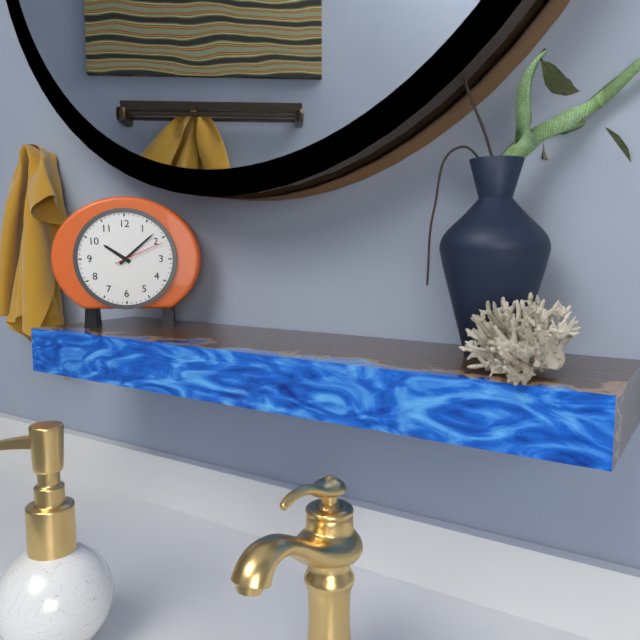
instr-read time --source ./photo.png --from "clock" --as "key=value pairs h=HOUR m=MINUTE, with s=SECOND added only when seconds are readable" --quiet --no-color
h=10 m=8 s=11
